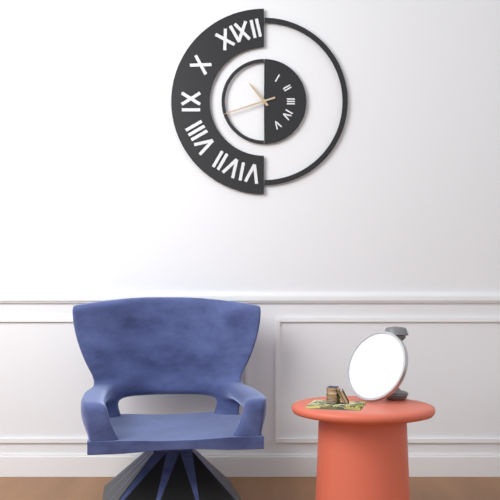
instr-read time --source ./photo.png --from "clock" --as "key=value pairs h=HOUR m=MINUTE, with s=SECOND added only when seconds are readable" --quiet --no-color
h=10 m=42
